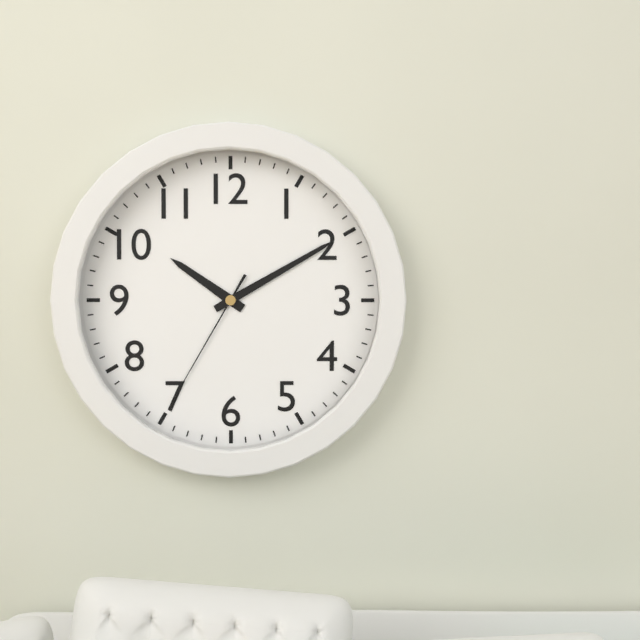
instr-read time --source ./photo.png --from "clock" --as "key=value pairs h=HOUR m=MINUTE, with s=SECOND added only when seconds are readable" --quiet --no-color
h=10 m=10 s=35
